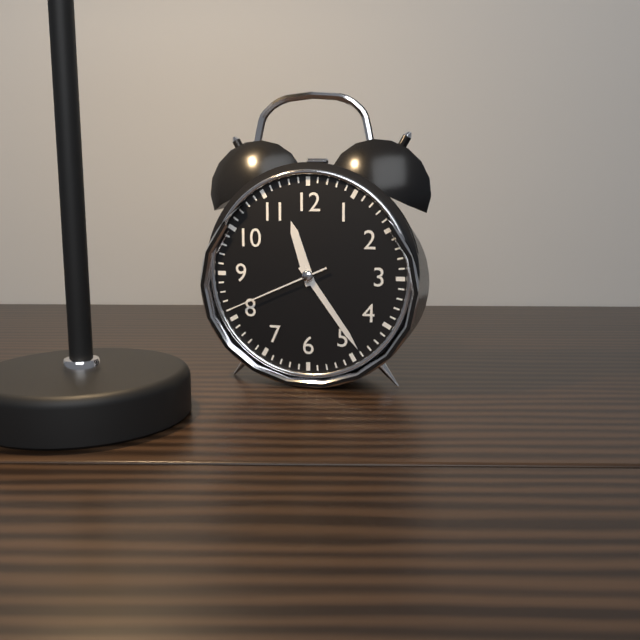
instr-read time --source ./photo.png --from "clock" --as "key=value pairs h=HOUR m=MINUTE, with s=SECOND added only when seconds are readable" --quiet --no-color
h=11 m=24 s=41
